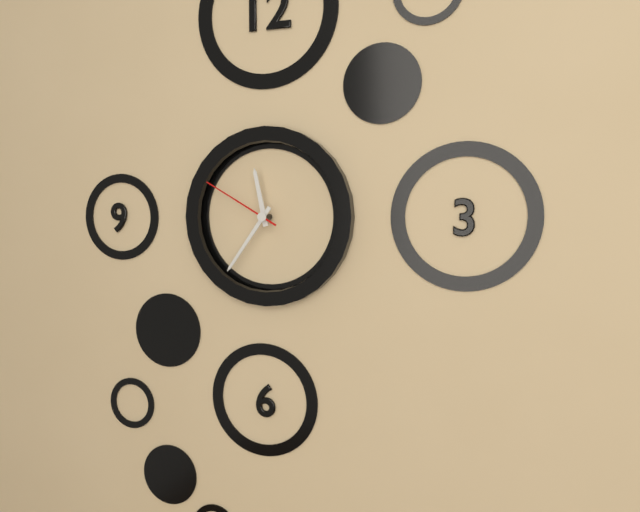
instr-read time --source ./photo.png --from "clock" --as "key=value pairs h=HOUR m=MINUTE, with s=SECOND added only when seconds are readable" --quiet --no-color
h=11 m=36 s=50
